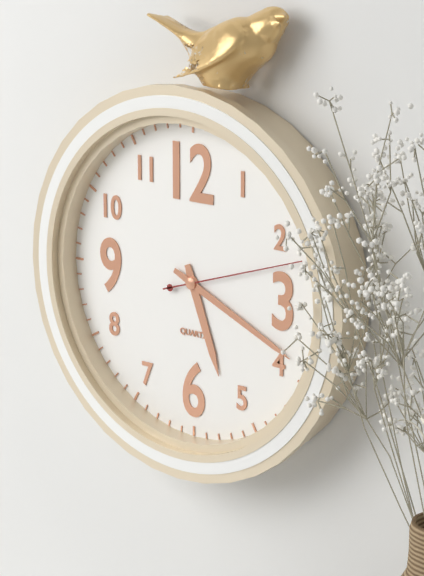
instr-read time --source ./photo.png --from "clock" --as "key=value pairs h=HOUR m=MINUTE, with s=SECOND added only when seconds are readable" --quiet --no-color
h=5 m=19 s=12
